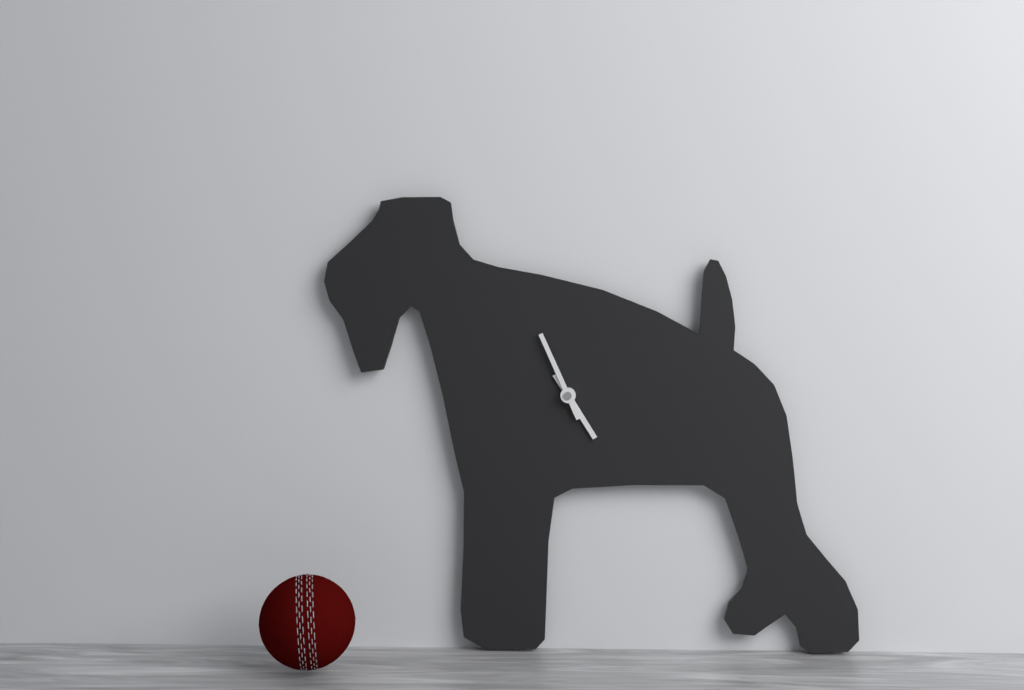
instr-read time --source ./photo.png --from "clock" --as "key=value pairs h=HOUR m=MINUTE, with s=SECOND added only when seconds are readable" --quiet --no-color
h=4 m=56
